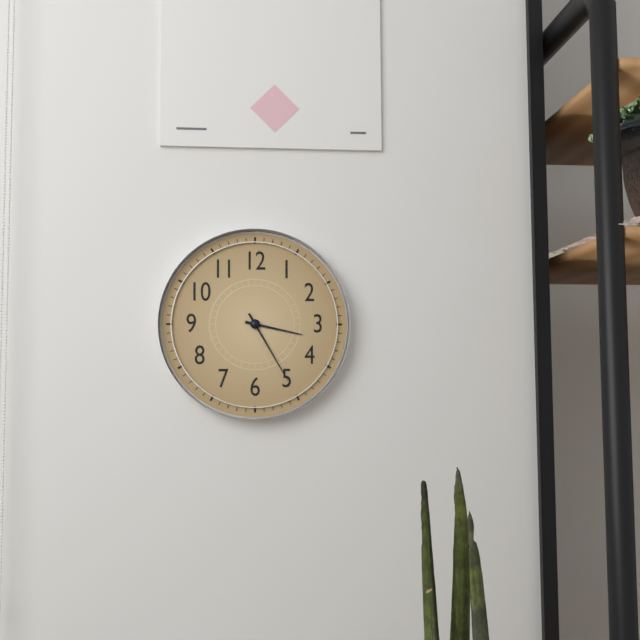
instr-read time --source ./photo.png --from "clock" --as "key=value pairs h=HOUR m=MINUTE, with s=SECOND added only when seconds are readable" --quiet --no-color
h=3 m=25
